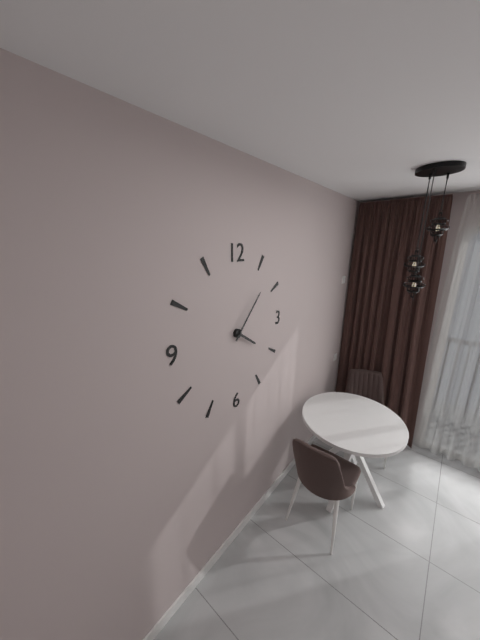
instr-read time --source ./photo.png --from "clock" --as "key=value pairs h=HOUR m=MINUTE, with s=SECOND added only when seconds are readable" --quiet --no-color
h=4 m=7
